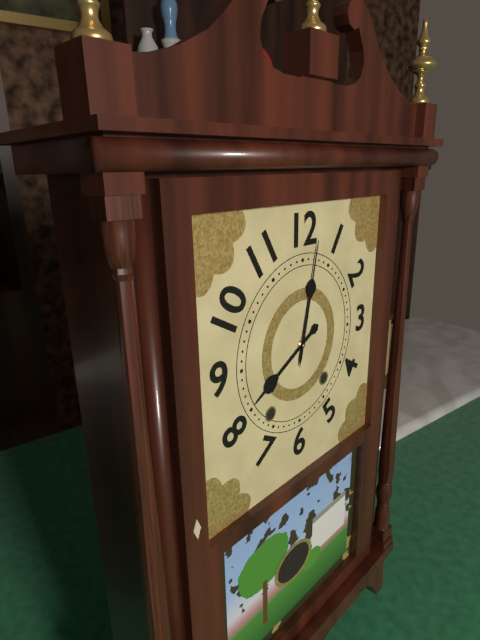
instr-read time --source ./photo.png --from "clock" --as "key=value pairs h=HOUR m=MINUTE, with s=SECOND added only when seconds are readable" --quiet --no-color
h=8 m=2
